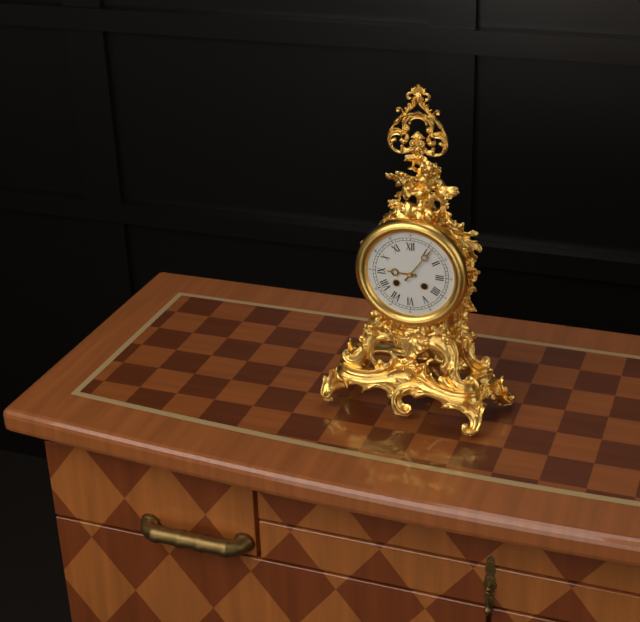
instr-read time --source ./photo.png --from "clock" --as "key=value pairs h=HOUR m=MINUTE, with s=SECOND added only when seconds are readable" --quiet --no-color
h=9 m=6
